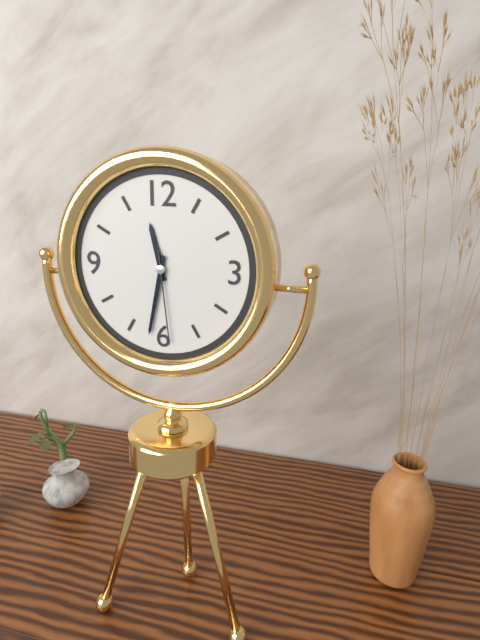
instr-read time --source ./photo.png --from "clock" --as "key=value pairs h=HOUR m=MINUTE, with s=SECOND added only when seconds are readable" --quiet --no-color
h=11 m=32 s=29
